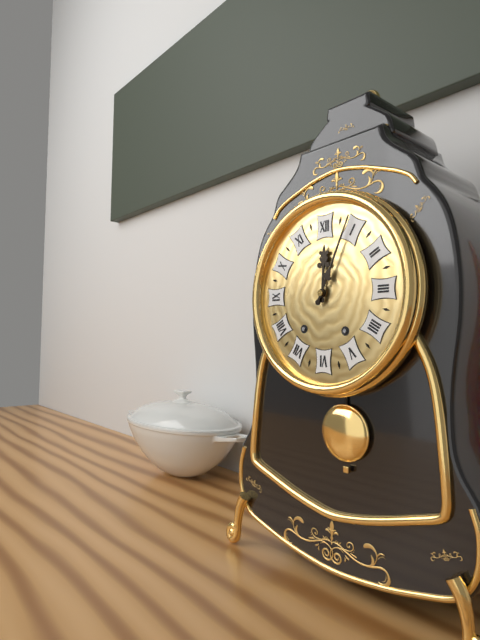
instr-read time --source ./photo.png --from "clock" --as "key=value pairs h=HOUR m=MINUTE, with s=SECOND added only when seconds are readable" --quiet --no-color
h=12 m=4
